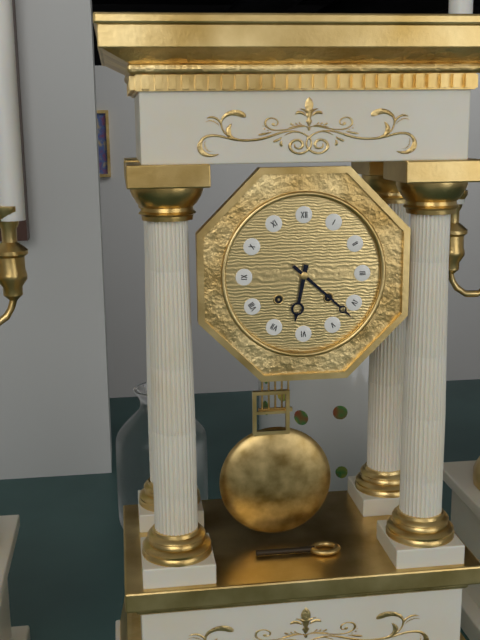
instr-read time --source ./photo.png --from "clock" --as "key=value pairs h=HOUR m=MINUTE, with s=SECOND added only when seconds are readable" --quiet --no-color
h=6 m=22
